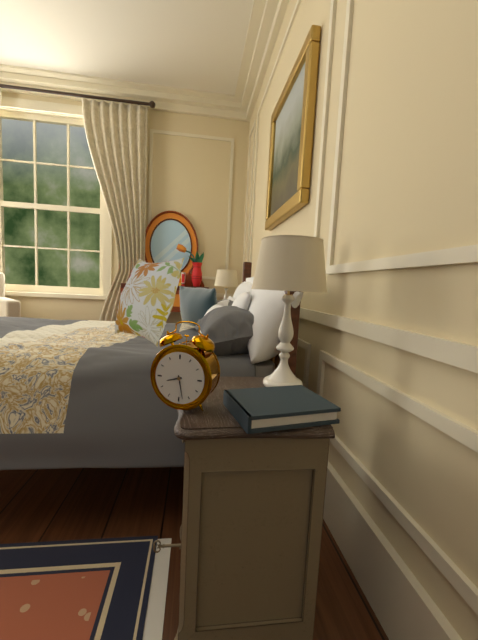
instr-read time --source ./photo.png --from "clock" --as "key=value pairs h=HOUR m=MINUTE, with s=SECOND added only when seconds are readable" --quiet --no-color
h=8 m=28
